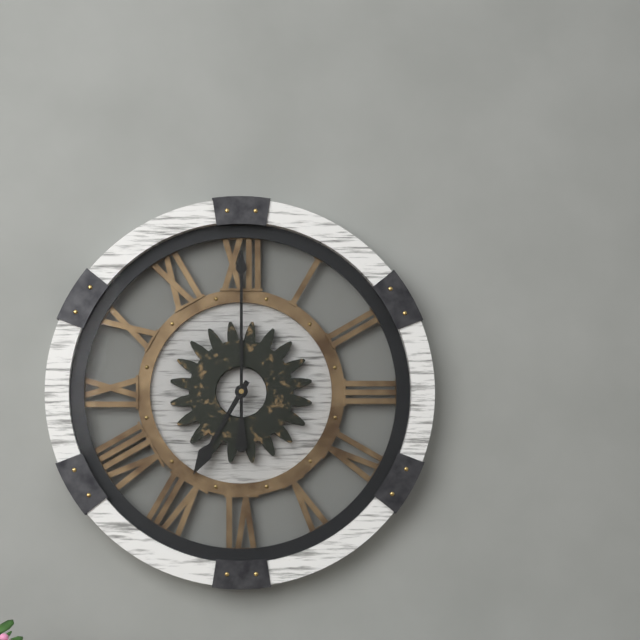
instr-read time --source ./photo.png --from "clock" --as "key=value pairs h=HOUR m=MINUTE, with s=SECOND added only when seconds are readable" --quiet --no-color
h=7 m=0
